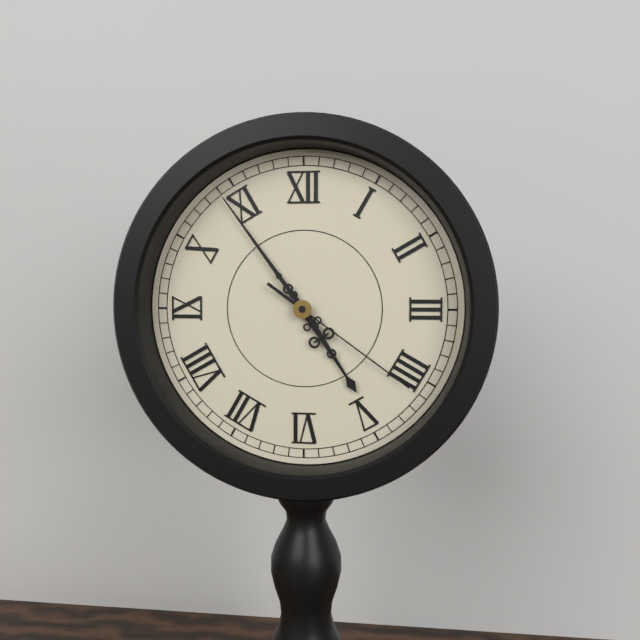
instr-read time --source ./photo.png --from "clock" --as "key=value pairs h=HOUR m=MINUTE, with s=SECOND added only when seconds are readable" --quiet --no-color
h=4 m=54 s=21
